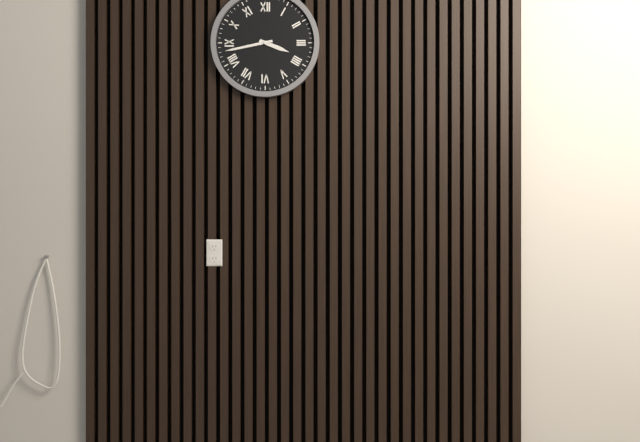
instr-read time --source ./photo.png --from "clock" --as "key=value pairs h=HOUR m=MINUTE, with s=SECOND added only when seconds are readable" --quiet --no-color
h=3 m=43
